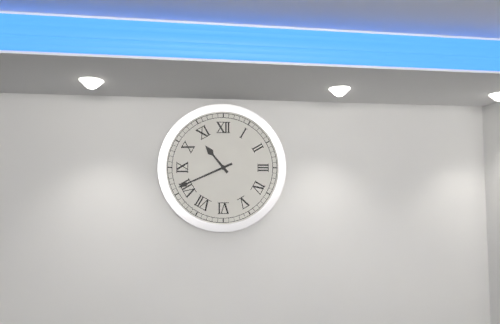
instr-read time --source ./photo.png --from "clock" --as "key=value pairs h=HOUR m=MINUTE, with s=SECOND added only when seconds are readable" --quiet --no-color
h=10 m=41
